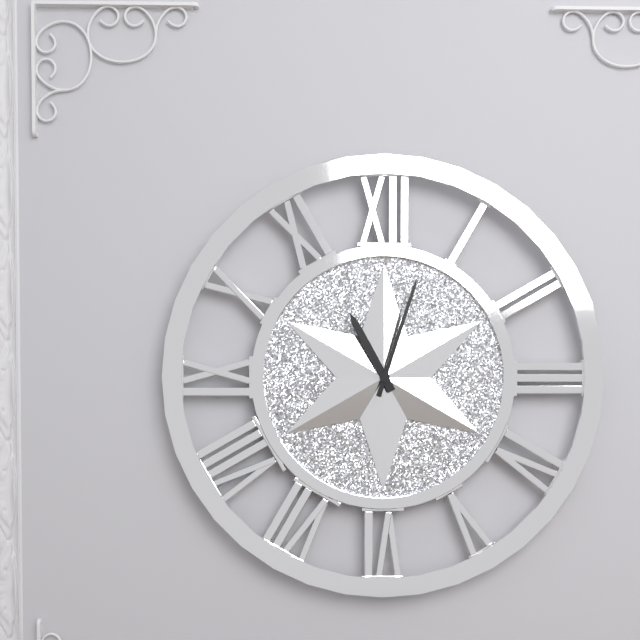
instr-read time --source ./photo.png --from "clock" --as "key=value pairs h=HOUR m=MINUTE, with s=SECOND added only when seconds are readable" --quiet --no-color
h=11 m=3
